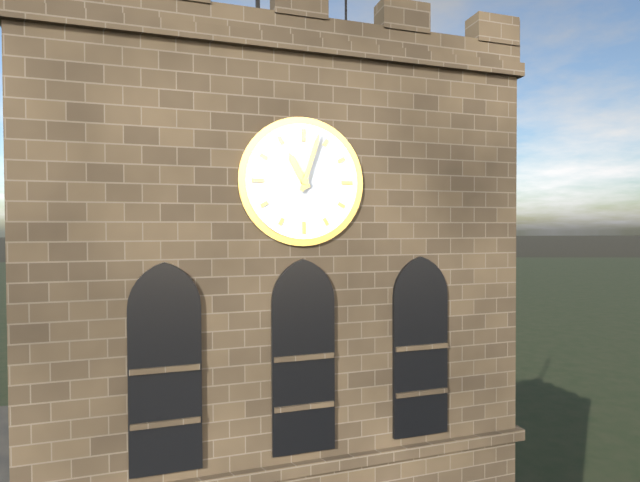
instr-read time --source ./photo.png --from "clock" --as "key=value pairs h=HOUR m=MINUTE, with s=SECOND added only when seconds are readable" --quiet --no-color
h=11 m=3
